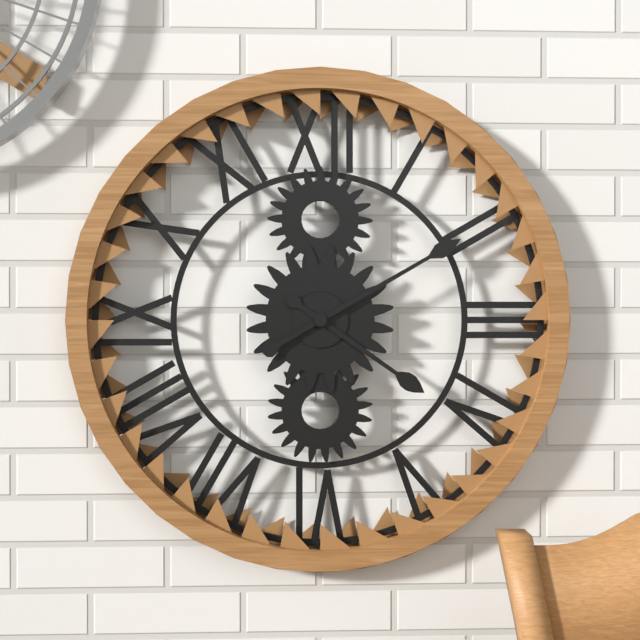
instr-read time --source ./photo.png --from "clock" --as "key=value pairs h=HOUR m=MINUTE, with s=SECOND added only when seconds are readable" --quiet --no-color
h=4 m=10
